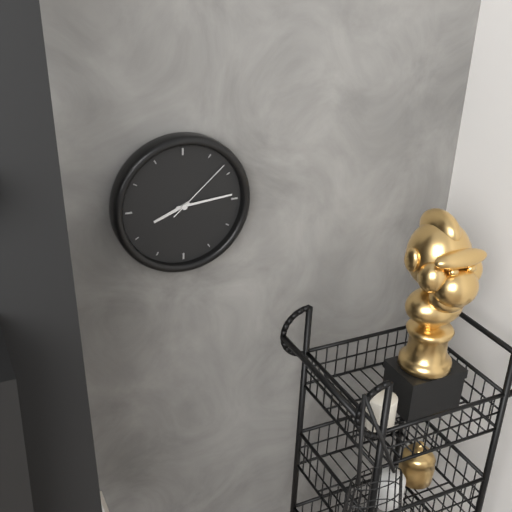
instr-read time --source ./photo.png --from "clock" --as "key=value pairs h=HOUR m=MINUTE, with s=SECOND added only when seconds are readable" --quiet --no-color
h=8 m=14 s=8
